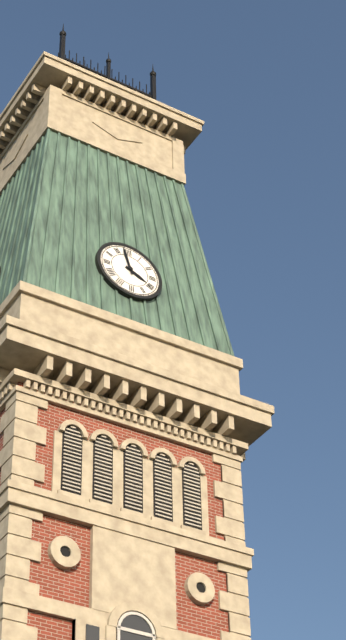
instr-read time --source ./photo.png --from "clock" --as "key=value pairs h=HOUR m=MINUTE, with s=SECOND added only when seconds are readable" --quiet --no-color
h=3 m=58
